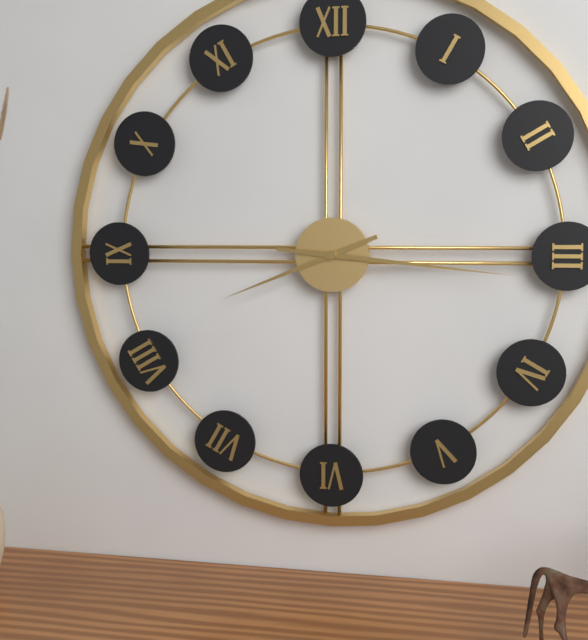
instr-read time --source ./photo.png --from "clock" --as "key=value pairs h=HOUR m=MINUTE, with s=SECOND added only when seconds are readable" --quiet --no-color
h=8 m=16
